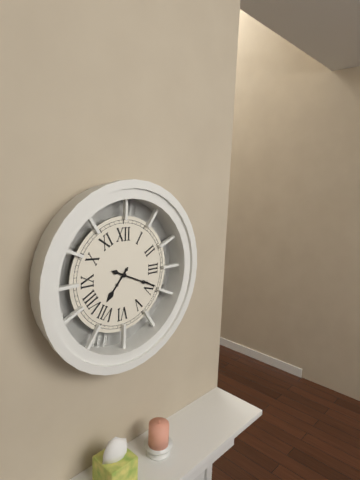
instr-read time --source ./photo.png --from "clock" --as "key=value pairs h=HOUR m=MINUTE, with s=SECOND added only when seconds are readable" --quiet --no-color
h=7 m=19
